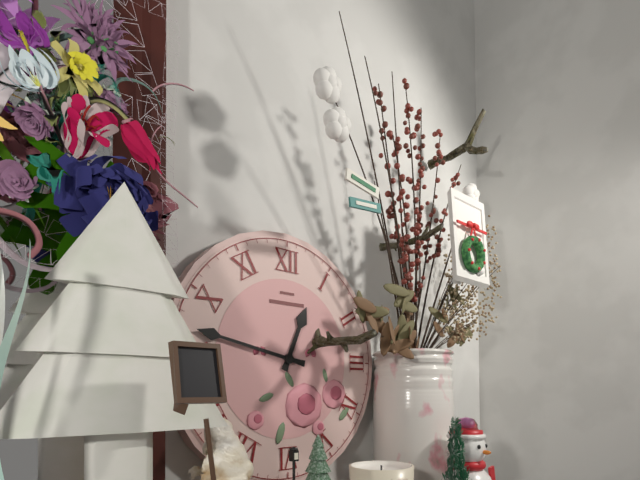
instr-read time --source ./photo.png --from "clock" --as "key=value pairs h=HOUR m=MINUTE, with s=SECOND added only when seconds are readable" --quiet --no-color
h=12 m=47
